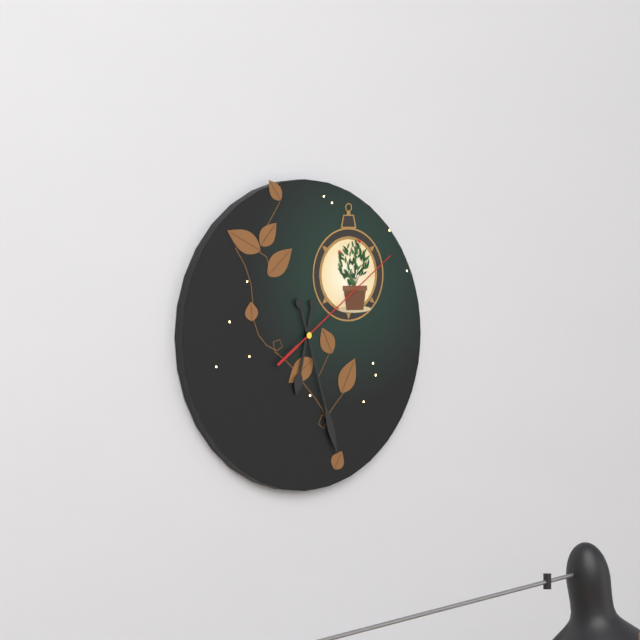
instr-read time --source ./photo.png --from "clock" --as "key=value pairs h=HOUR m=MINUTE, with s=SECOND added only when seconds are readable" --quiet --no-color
h=6 m=27 s=9
